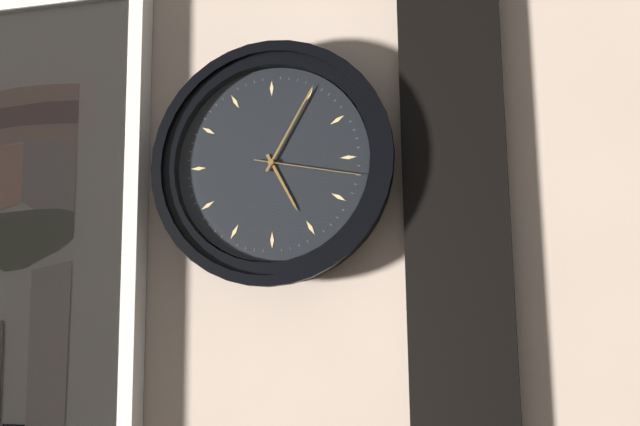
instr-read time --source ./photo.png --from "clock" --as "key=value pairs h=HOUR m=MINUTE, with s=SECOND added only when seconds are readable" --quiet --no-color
h=5 m=5 s=17
